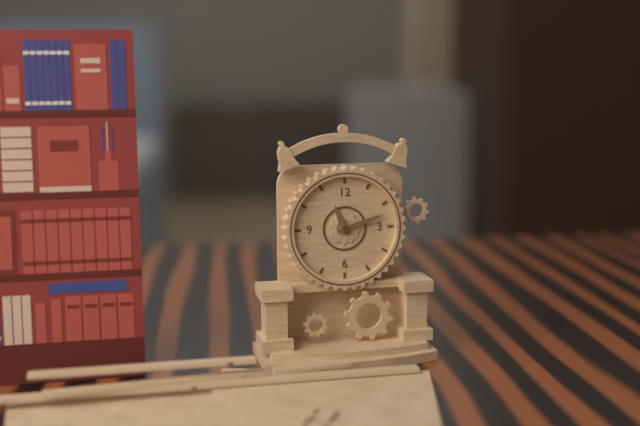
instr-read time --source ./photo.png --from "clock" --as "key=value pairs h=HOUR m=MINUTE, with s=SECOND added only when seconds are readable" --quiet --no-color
h=11 m=12
